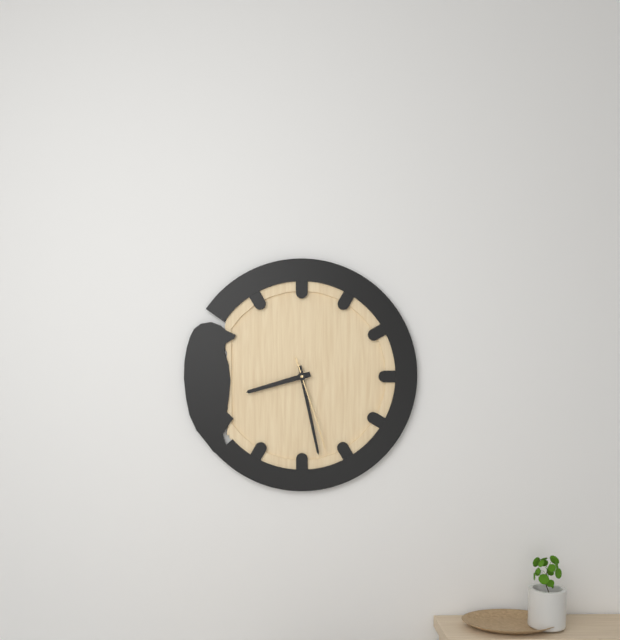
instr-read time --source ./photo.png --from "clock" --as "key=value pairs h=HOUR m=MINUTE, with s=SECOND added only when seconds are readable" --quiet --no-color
h=8 m=28 s=27
